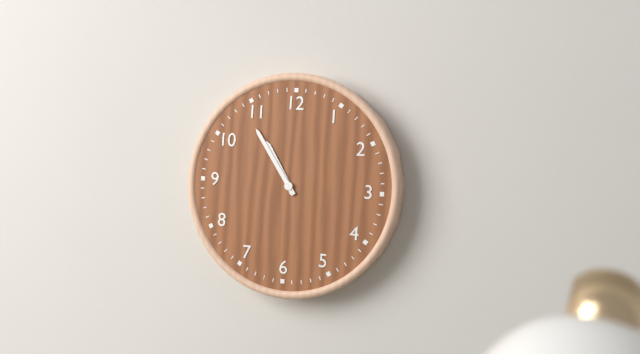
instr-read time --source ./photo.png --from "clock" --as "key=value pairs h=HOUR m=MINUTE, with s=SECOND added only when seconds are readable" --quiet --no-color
h=10 m=54
